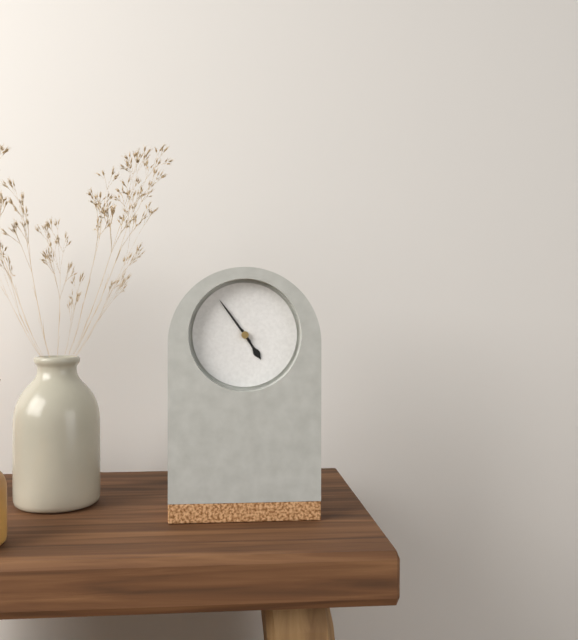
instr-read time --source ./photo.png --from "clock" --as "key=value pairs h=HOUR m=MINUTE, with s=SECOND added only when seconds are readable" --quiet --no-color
h=4 m=54
